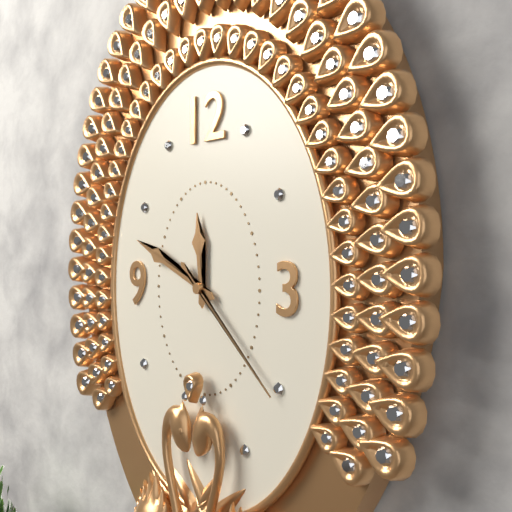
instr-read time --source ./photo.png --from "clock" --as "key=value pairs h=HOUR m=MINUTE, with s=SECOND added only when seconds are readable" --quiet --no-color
h=11 m=49 s=22
